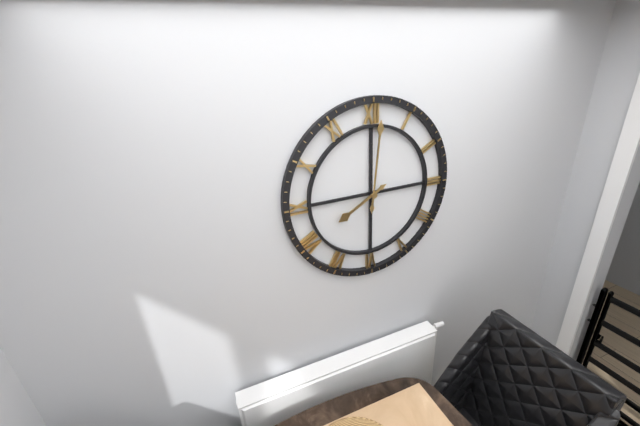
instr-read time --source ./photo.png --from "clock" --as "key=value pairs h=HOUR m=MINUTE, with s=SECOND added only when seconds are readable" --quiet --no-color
h=8 m=1
